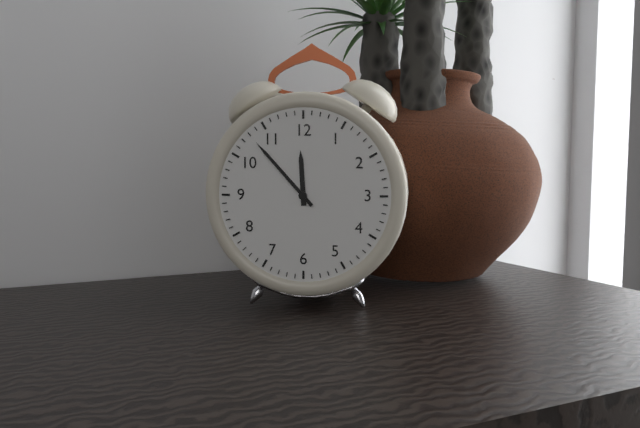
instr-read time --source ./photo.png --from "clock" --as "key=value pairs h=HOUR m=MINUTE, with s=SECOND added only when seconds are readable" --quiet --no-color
h=11 m=53
